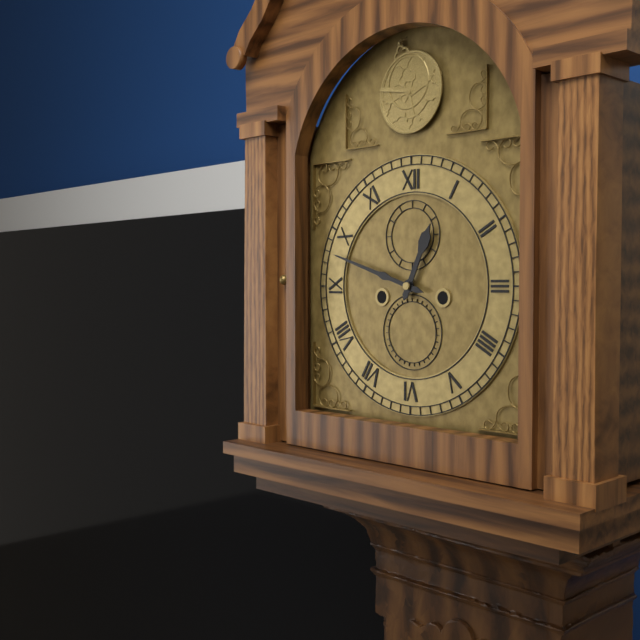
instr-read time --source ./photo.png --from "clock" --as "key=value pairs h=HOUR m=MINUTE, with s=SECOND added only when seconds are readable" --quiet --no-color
h=12 m=48
